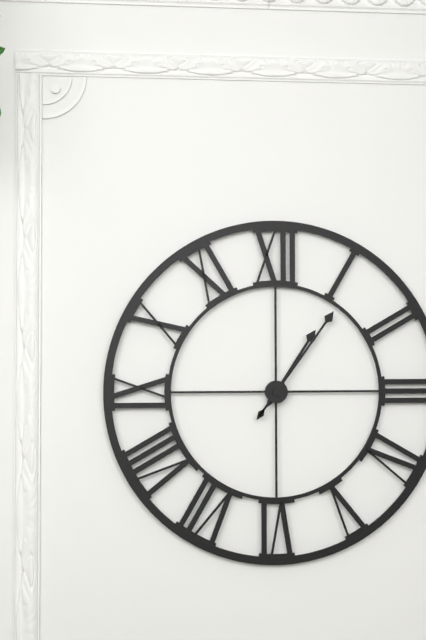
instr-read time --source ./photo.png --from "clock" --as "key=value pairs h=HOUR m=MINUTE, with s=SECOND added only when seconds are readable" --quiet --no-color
h=1 m=6
